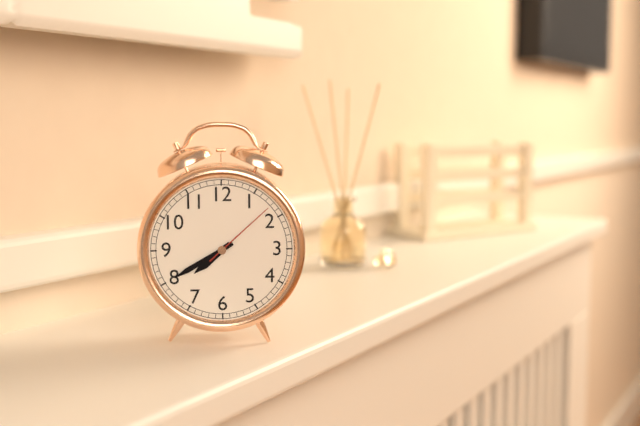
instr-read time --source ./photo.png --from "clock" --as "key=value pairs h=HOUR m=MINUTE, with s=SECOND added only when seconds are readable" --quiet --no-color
h=7 m=40 s=8
